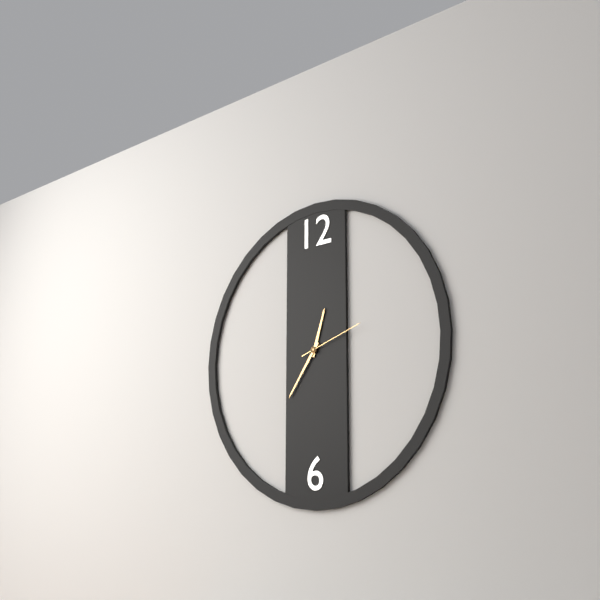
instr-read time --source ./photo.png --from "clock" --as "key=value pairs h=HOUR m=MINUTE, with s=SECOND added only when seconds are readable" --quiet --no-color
h=12 m=36 s=12
